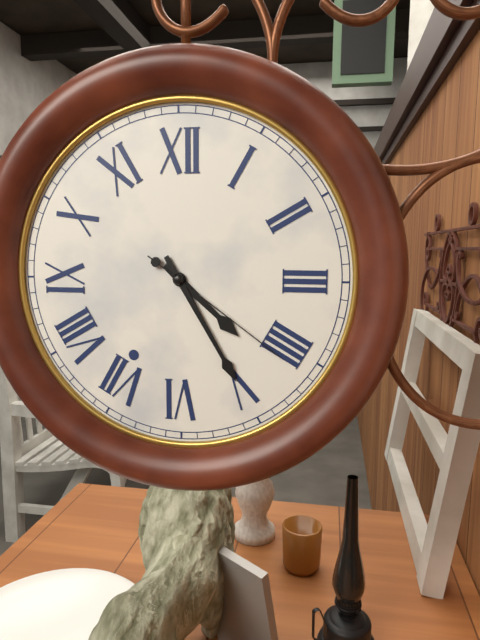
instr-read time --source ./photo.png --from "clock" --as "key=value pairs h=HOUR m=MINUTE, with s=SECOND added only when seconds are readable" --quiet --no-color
h=4 m=25 s=21
